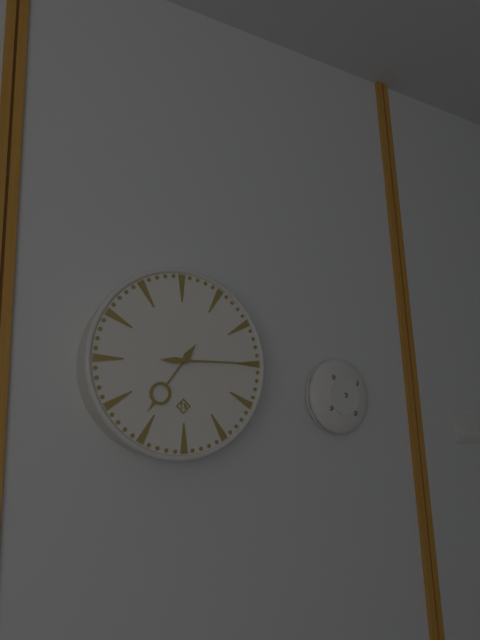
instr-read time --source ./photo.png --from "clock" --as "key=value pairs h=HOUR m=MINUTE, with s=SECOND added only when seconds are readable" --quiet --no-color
h=7 m=15
